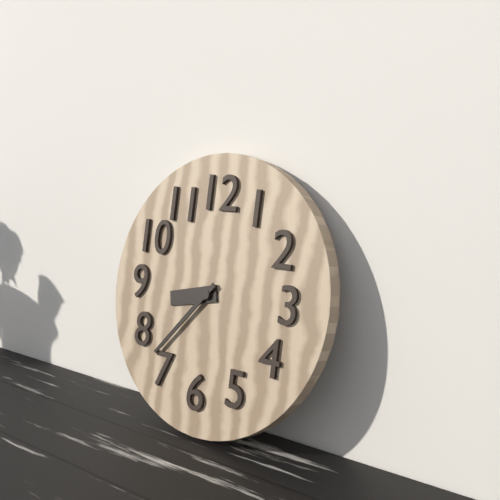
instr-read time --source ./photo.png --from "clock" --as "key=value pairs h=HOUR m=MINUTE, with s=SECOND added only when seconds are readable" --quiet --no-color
h=8 m=37
